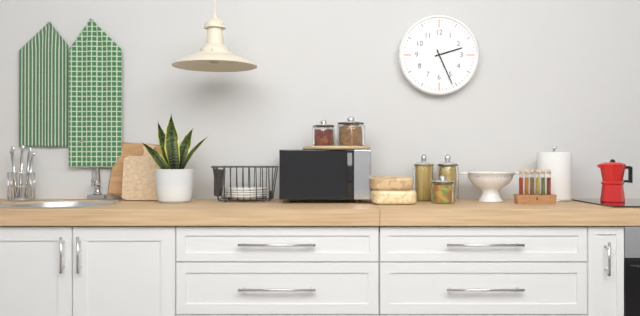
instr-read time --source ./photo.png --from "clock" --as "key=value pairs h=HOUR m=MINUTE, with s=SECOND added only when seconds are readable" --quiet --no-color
h=2 m=26
